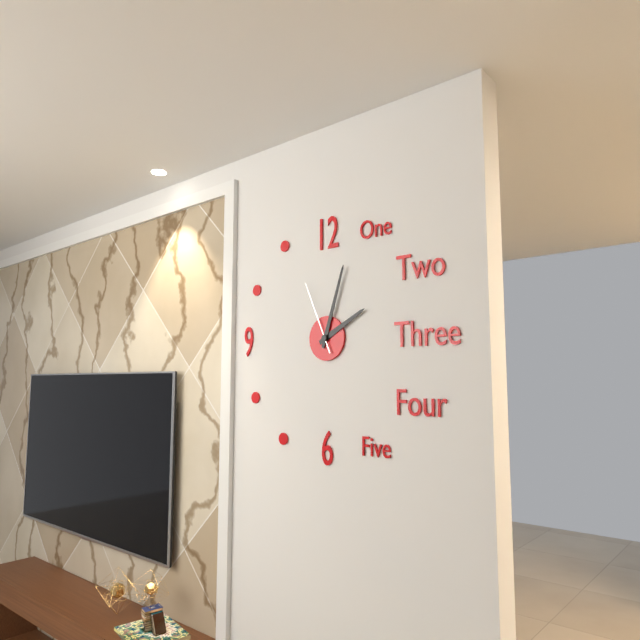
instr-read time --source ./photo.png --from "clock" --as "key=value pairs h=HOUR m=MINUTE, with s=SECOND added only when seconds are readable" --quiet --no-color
h=2 m=3 s=56
